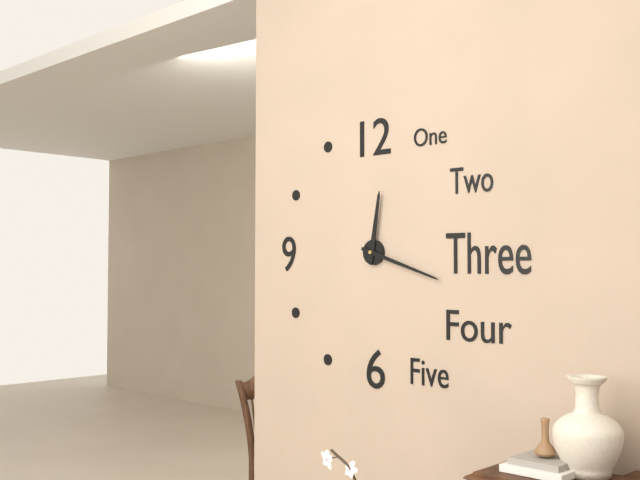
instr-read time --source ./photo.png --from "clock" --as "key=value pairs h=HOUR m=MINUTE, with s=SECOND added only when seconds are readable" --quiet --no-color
h=12 m=18
